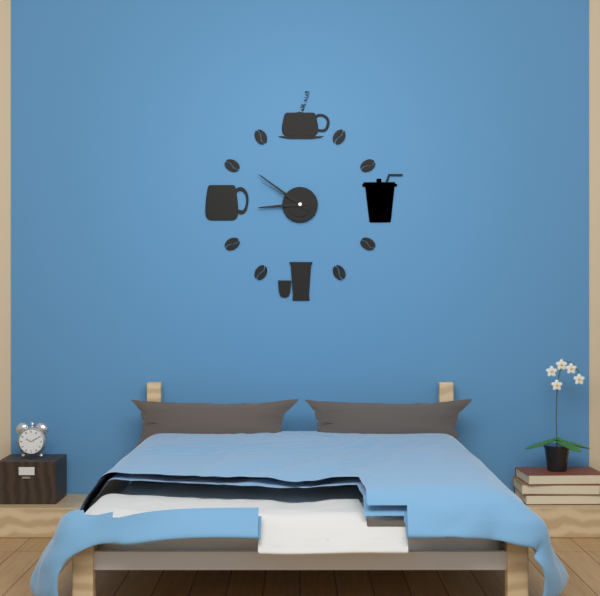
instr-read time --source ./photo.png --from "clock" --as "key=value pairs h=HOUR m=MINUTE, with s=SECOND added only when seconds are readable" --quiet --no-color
h=8 m=51 s=50
